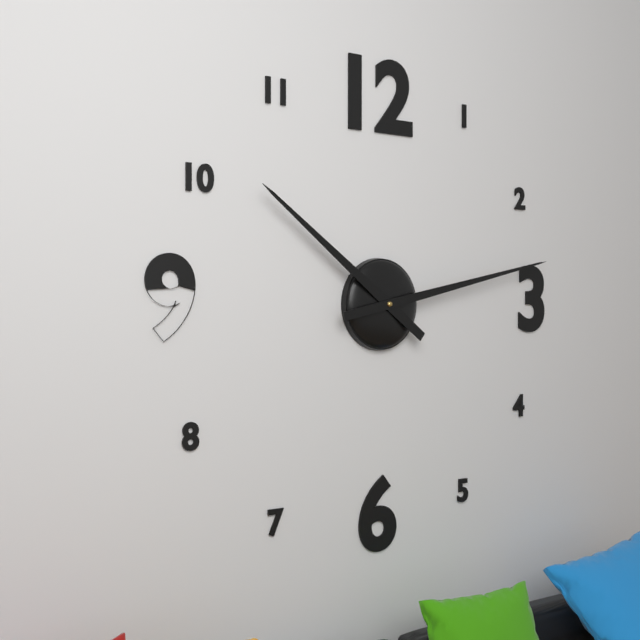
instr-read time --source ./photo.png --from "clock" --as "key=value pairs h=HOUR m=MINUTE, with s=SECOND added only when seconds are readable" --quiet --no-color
h=10 m=13
